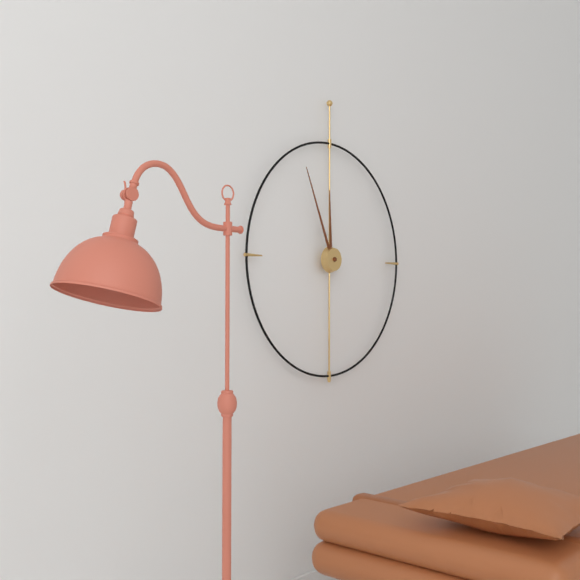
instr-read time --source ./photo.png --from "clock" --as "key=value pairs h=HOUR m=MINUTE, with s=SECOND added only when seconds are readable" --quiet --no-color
h=11 m=56
